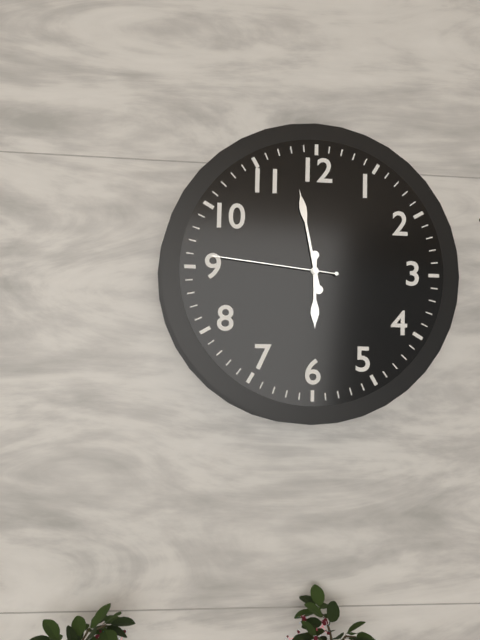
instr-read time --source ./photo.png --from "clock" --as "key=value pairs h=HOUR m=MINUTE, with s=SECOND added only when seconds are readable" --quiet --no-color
h=5 m=58 s=46
